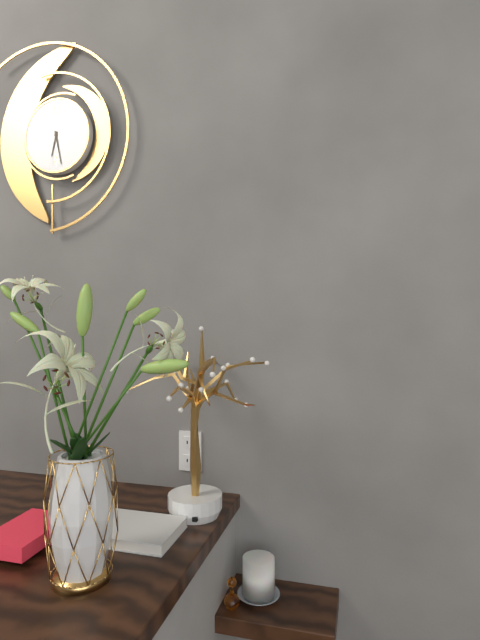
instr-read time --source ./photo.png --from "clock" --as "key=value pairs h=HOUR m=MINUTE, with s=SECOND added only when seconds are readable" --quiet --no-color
h=6 m=28
